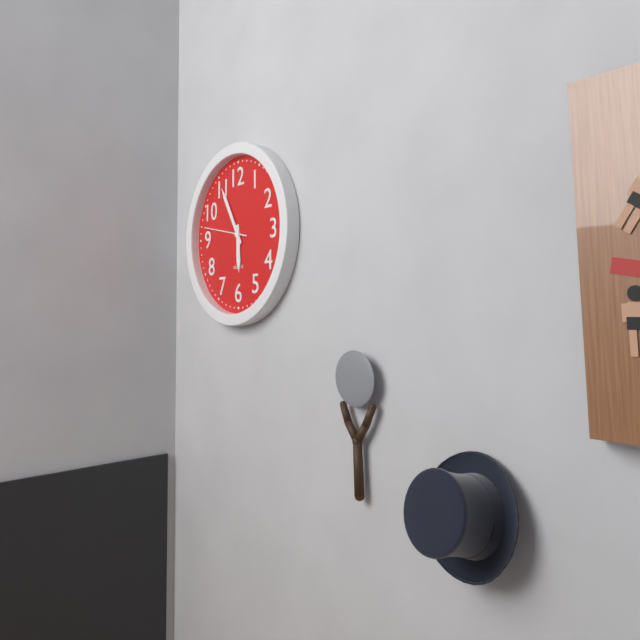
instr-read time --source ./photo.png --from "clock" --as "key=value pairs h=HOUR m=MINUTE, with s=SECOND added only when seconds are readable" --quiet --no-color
h=5 m=55
